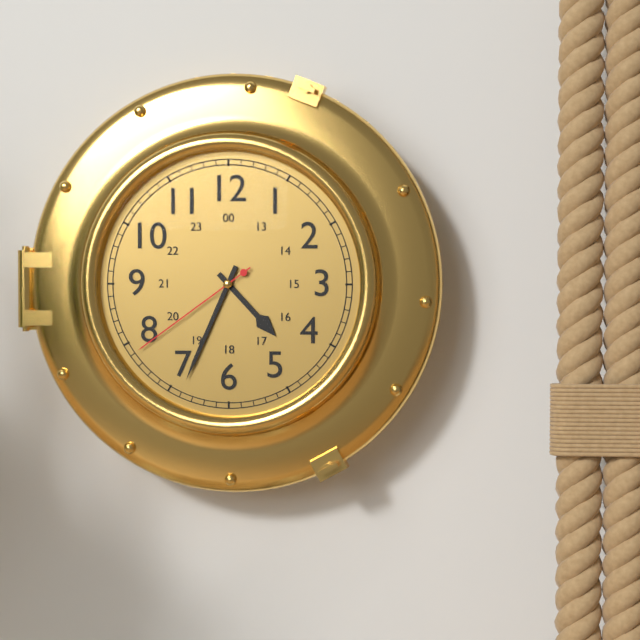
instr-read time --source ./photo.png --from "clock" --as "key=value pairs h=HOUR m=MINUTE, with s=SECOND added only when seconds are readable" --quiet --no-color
h=4 m=34 s=39
